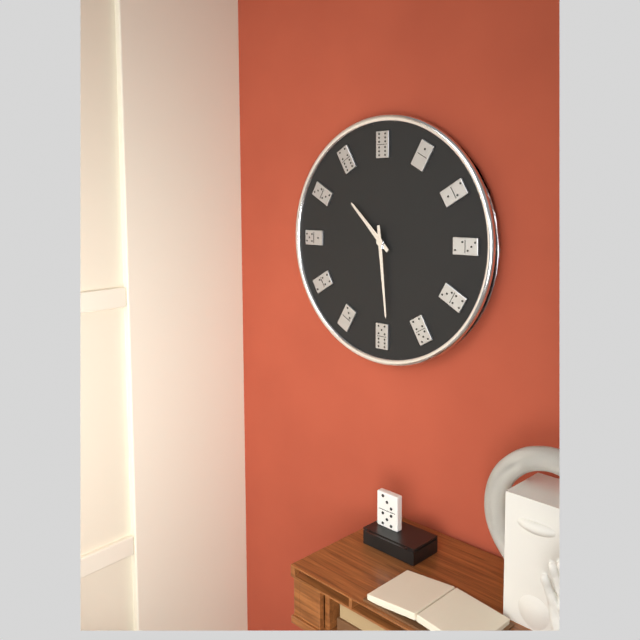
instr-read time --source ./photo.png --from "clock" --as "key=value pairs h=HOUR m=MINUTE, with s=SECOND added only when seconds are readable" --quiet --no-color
h=10 m=29
